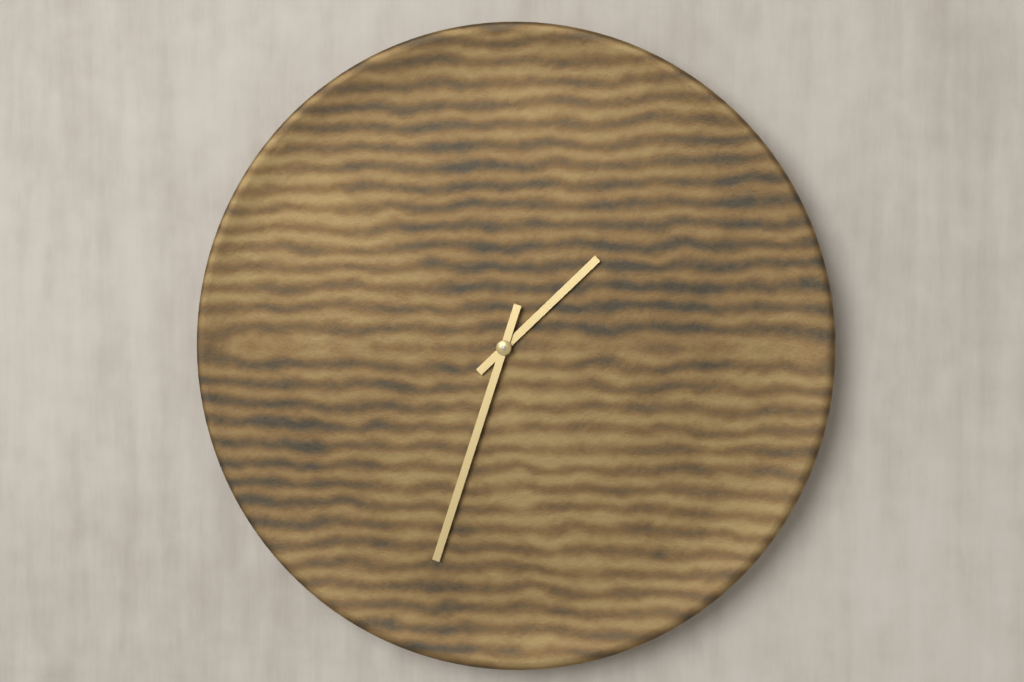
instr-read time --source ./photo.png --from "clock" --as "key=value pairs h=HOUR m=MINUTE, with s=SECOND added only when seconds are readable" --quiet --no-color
h=1 m=33
